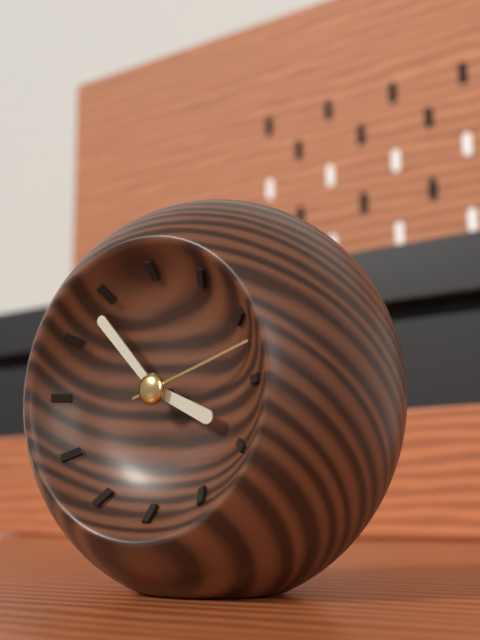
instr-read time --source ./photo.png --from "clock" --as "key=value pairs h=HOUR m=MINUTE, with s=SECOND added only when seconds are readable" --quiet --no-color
h=3 m=53 s=12
